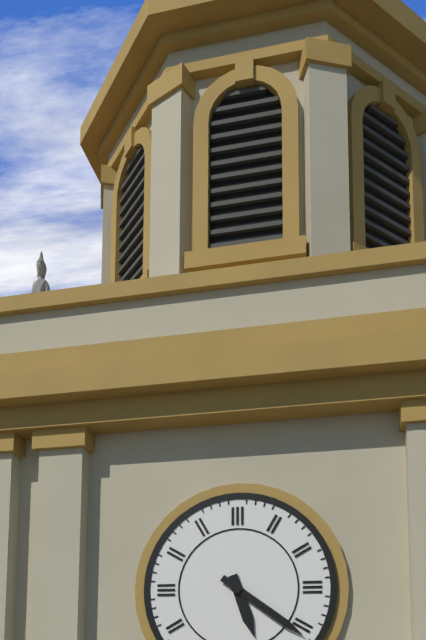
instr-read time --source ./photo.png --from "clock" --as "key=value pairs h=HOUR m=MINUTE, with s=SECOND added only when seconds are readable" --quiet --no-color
h=5 m=21
